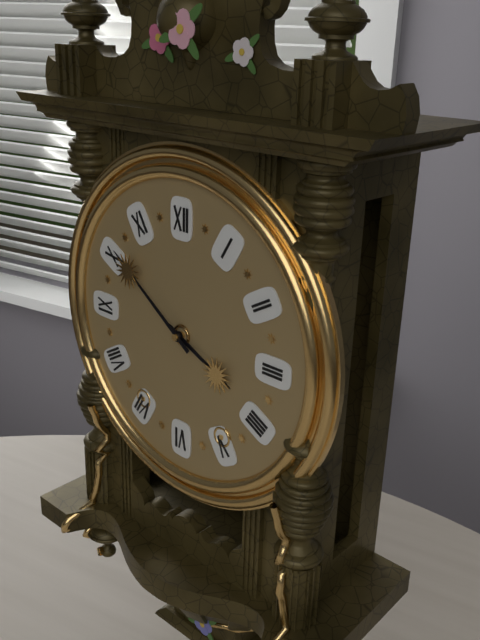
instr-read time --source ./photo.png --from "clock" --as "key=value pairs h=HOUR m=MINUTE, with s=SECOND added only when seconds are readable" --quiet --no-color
h=3 m=51
